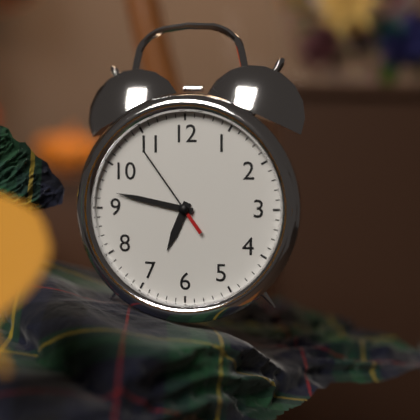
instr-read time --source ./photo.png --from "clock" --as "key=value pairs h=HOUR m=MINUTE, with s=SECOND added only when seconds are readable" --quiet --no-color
h=6 m=47 s=54
